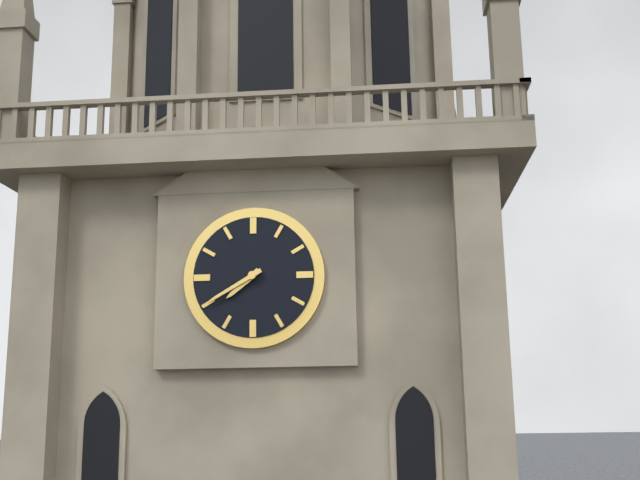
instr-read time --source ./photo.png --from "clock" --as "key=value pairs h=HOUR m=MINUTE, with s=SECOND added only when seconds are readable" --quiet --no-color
h=7 m=40
